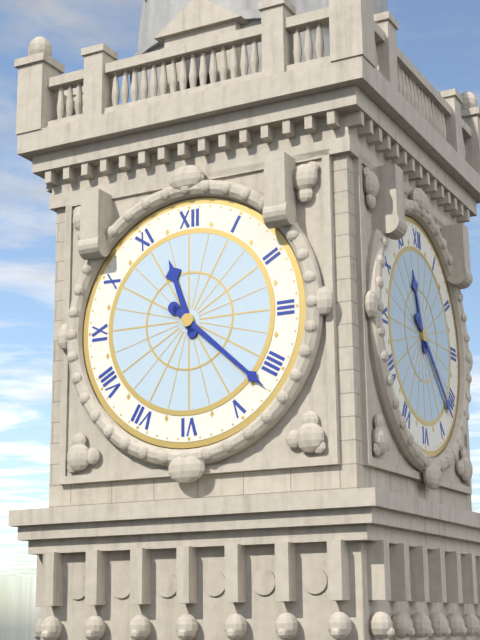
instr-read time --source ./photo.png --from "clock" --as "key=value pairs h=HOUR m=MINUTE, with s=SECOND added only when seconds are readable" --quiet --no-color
h=11 m=22
